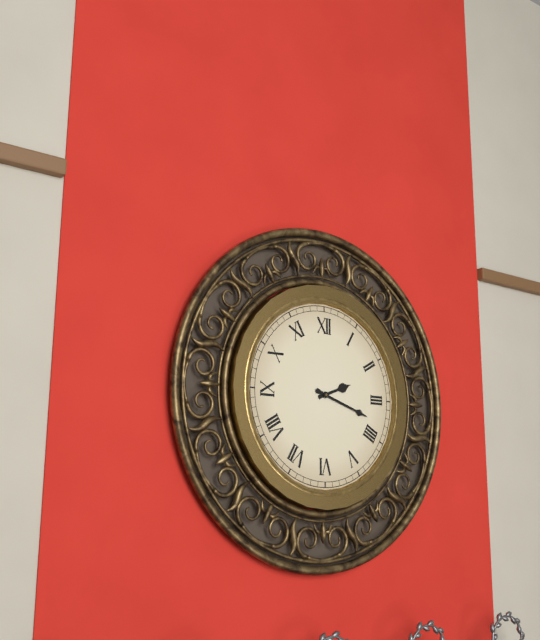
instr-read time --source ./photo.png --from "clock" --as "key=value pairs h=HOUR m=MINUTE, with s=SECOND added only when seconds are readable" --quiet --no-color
h=2 m=18
